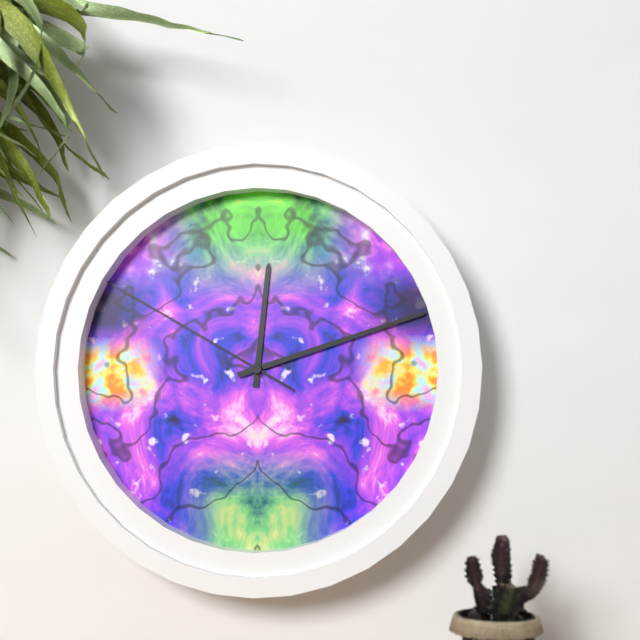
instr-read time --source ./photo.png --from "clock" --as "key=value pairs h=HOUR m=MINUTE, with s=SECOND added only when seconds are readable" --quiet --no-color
h=12 m=12 s=50
